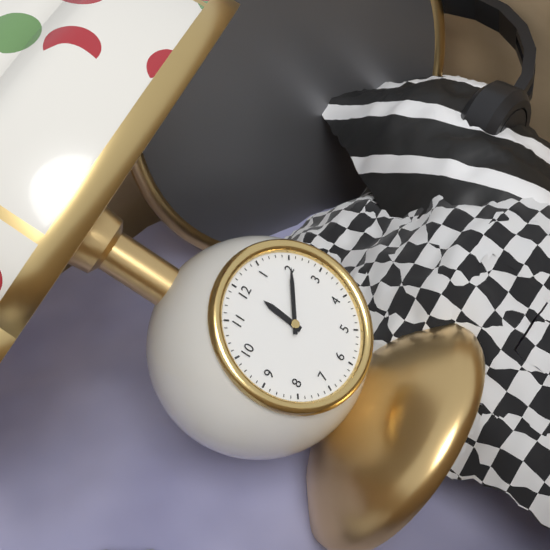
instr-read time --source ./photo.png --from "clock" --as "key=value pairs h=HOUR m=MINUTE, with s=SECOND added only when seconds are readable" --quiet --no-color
h=12 m=10
